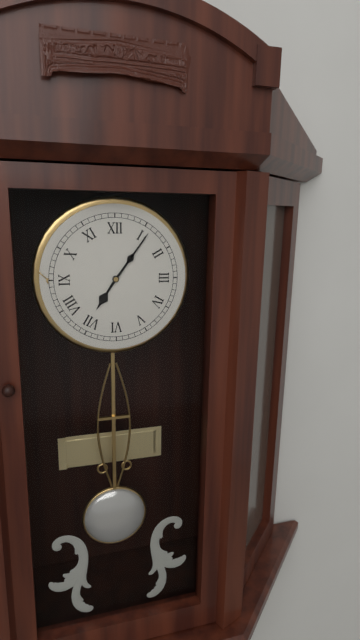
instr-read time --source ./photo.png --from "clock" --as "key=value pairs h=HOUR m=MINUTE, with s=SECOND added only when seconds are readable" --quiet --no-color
h=7 m=6
